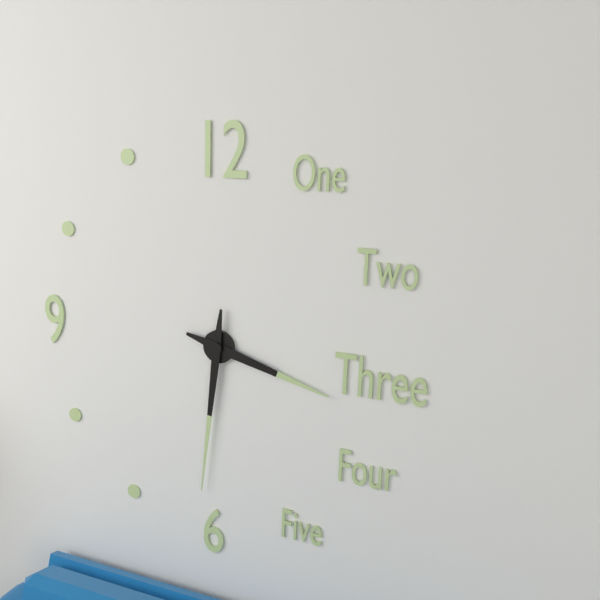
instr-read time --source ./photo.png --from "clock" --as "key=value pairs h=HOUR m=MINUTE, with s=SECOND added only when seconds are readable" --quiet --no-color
h=3 m=31
